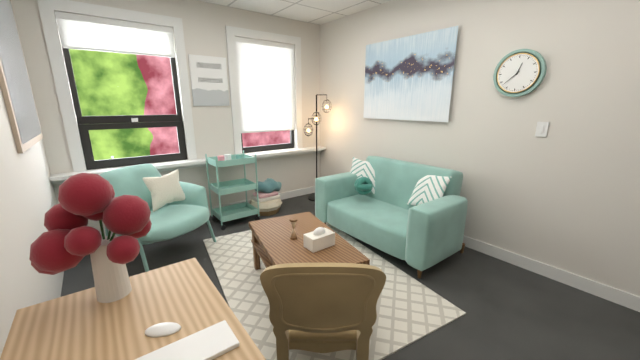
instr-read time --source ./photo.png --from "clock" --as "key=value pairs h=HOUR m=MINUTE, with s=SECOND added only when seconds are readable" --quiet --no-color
h=12 m=38
